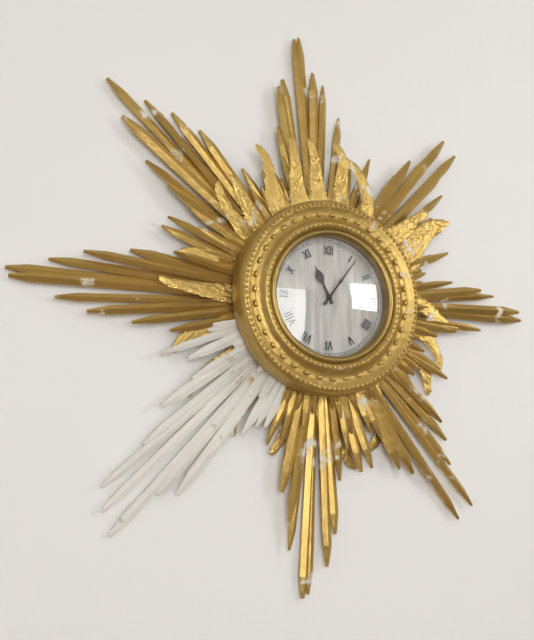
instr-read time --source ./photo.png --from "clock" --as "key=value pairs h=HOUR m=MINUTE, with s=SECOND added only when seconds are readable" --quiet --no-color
h=11 m=6
